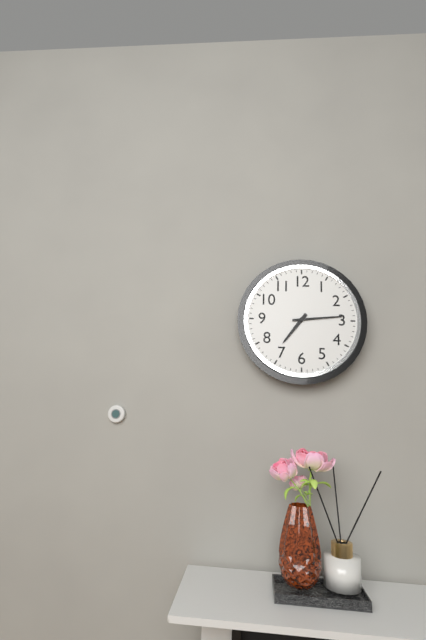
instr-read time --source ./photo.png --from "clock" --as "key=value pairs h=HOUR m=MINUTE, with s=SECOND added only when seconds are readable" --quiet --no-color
h=7 m=14
